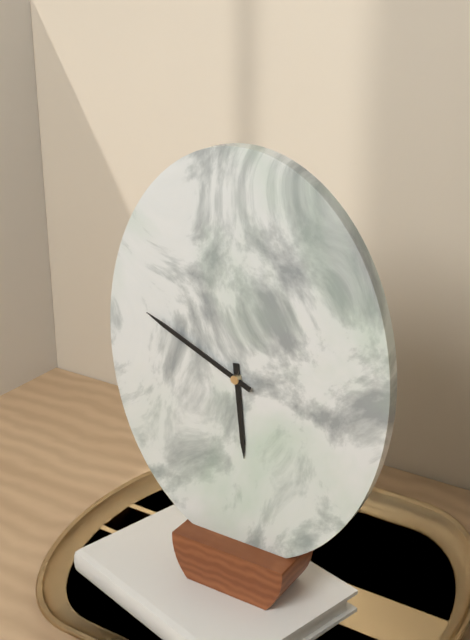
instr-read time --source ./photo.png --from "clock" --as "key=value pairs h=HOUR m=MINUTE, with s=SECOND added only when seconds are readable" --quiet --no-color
h=5 m=49
